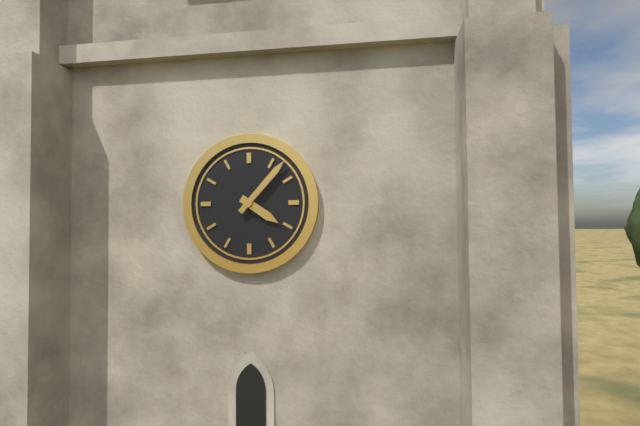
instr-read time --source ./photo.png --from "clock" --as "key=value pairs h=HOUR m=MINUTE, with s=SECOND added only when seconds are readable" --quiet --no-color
h=4 m=7
